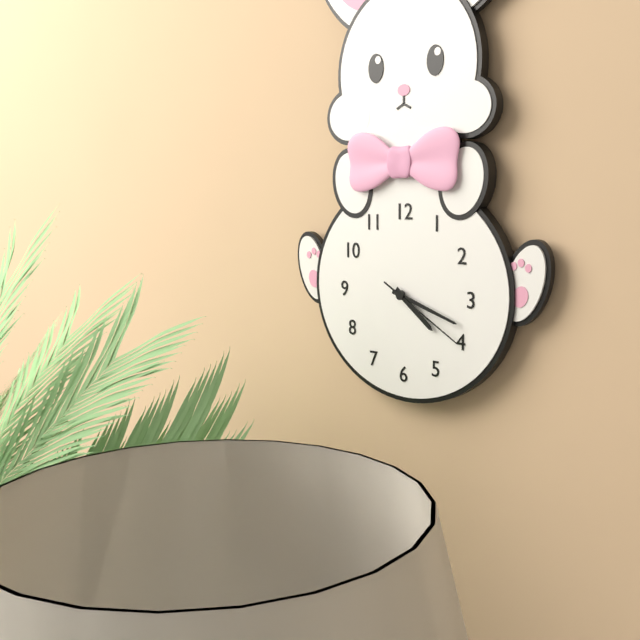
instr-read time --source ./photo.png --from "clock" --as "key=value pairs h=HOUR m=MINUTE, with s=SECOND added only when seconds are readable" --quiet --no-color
h=4 m=18 s=20
